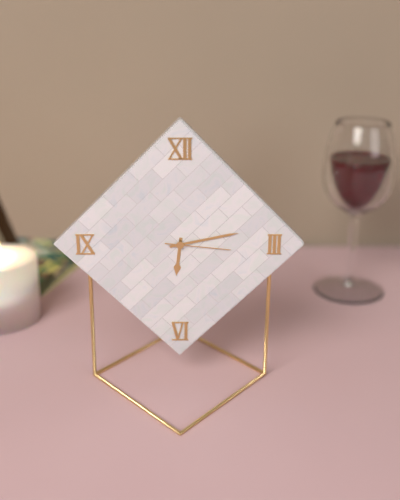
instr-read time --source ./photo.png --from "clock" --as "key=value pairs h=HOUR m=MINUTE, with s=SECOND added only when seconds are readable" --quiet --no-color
h=6 m=13 s=16
